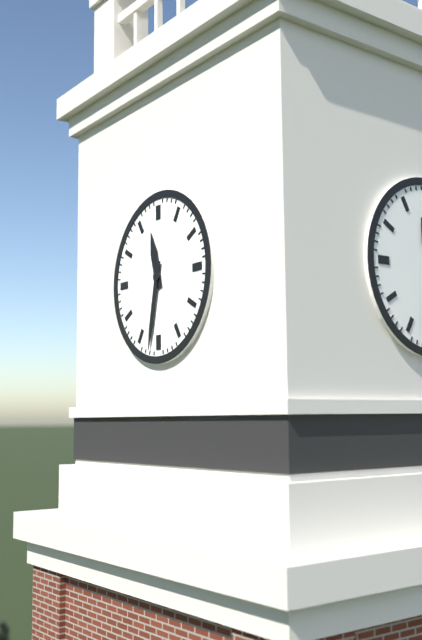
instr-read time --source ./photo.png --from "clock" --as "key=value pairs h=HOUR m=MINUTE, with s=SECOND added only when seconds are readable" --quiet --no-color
h=11 m=32
